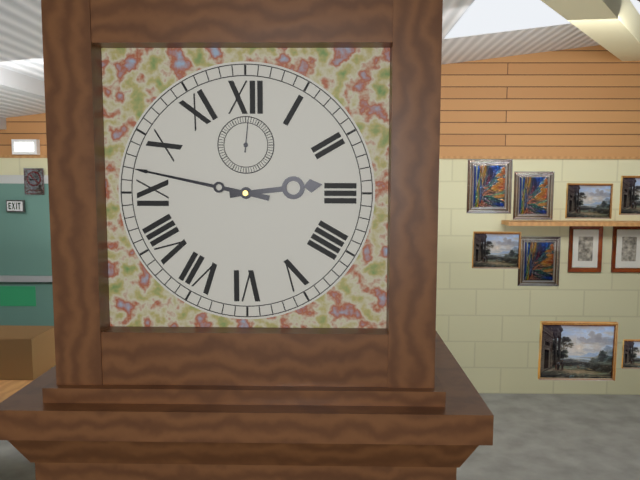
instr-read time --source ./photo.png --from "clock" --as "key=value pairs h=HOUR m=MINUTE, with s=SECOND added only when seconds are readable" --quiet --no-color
h=2 m=47
